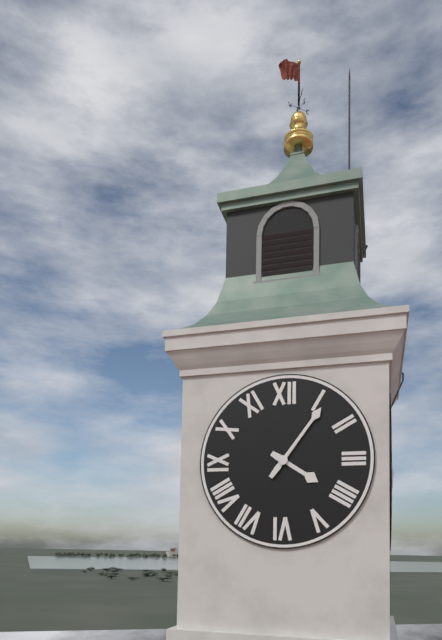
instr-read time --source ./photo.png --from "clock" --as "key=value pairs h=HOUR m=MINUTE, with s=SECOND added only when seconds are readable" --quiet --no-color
h=4 m=6
